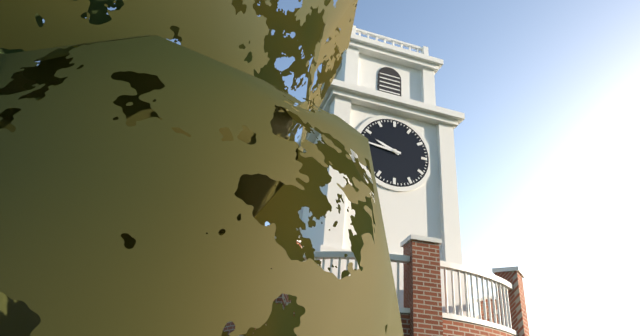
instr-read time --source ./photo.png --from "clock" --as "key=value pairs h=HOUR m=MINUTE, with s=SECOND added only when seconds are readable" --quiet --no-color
h=9 m=46
